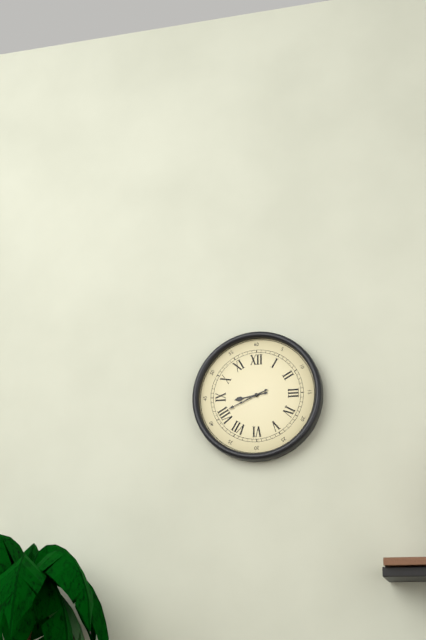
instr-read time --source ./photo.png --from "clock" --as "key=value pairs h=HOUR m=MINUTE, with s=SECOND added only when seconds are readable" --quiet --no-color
h=8 m=41
